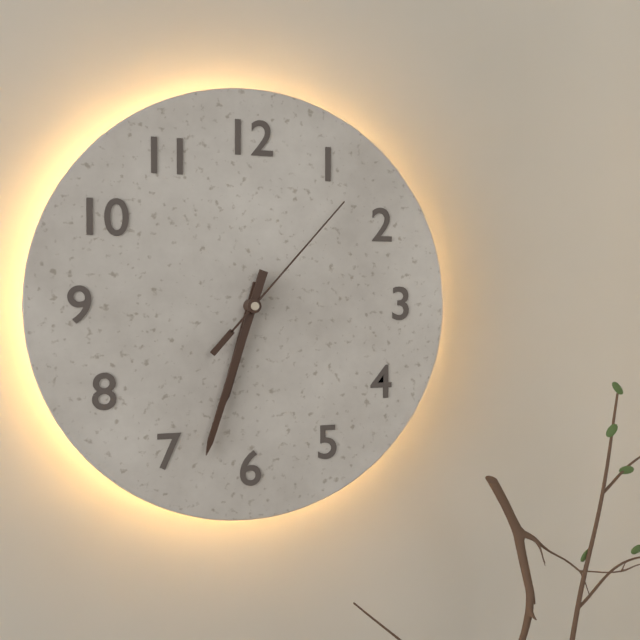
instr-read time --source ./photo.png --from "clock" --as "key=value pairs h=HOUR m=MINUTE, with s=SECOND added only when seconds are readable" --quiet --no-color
h=6 m=33 s=7
